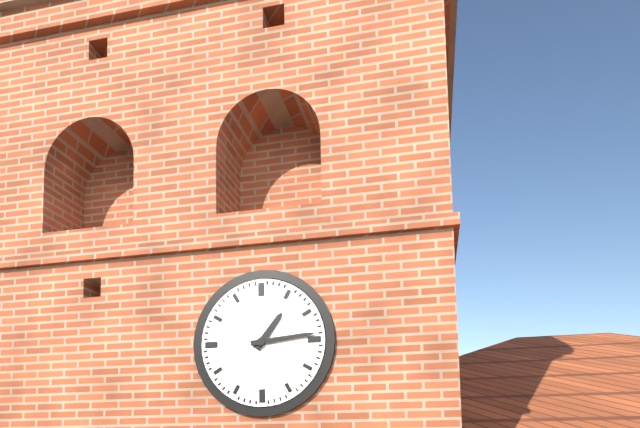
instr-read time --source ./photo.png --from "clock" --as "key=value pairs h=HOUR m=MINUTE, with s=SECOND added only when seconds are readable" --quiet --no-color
h=1 m=14
